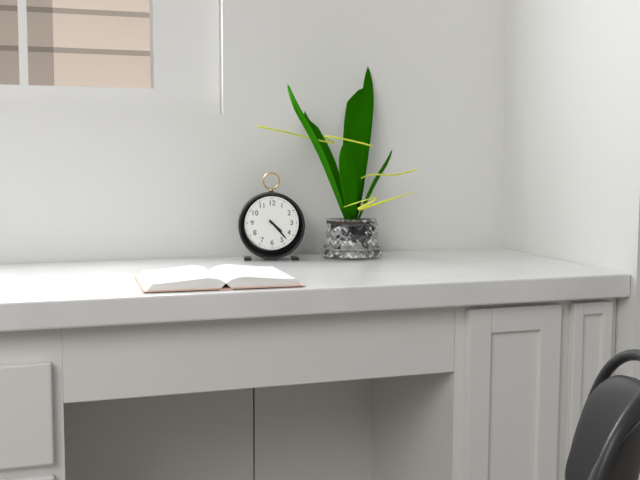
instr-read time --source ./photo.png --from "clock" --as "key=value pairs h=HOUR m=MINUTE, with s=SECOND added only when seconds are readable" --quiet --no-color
h=4 m=23
